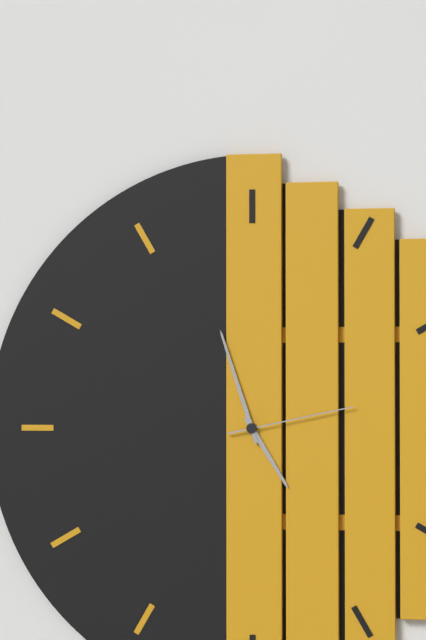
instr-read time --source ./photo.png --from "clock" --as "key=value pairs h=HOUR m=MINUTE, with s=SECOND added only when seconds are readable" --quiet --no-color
h=4 m=57 s=13
